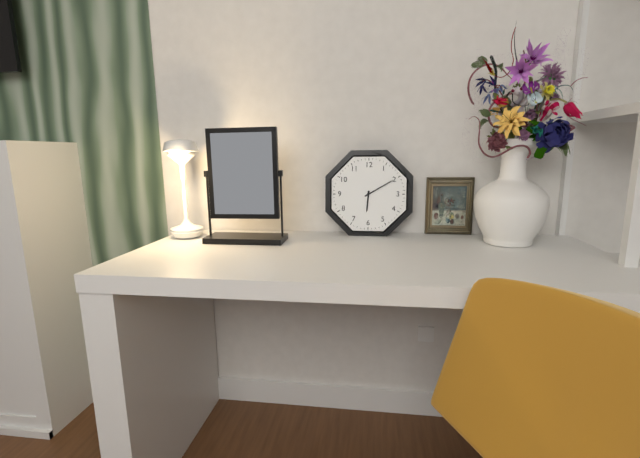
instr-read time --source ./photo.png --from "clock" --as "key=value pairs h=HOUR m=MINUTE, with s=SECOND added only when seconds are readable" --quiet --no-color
h=6 m=10
